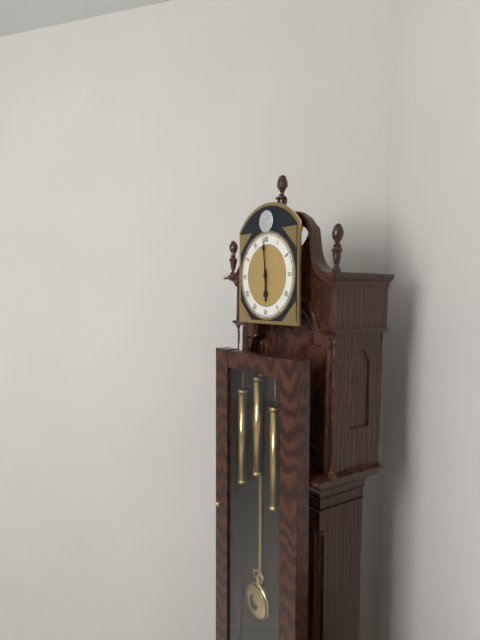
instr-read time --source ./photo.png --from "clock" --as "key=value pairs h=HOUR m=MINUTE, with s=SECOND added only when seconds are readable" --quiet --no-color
h=5 m=59
